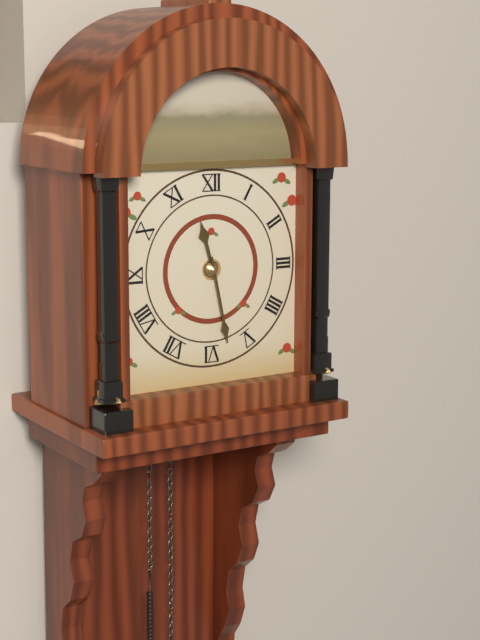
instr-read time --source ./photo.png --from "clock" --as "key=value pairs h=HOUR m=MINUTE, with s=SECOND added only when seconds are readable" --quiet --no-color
h=11 m=28
